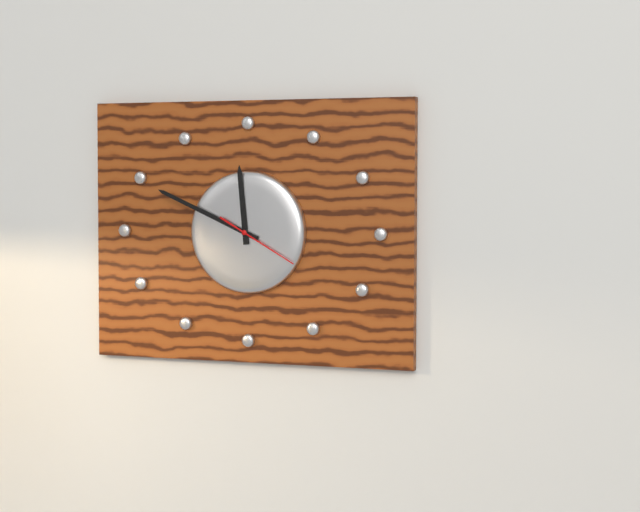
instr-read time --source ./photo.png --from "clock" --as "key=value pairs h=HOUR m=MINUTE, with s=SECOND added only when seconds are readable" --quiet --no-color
h=11 m=49 s=20
